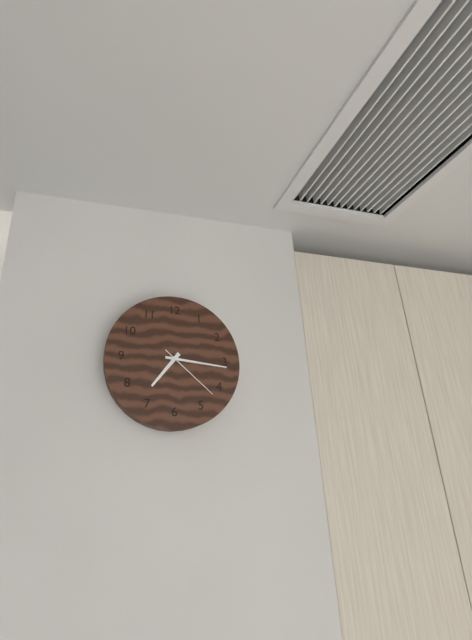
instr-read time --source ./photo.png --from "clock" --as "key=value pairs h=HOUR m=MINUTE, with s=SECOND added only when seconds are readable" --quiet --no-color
h=7 m=16 s=22
